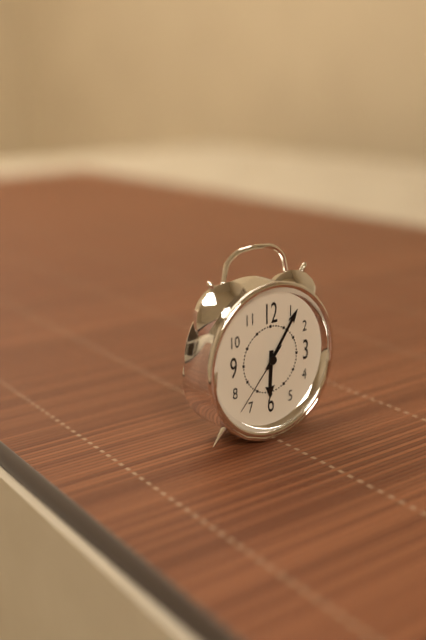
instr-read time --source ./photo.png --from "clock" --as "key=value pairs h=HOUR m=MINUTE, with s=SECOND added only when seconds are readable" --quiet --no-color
h=6 m=6 s=37
